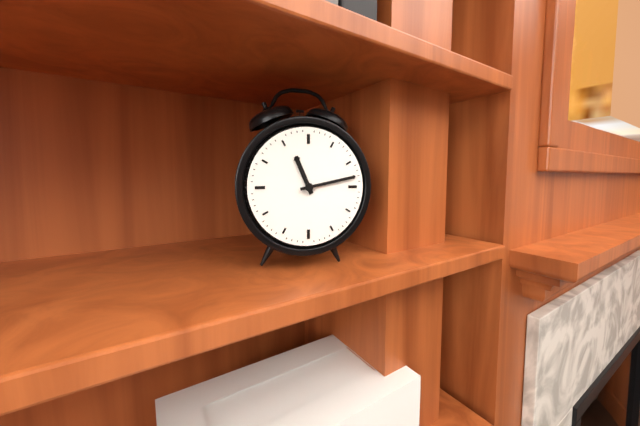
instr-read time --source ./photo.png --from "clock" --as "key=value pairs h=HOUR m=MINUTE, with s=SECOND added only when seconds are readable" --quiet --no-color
h=11 m=13
